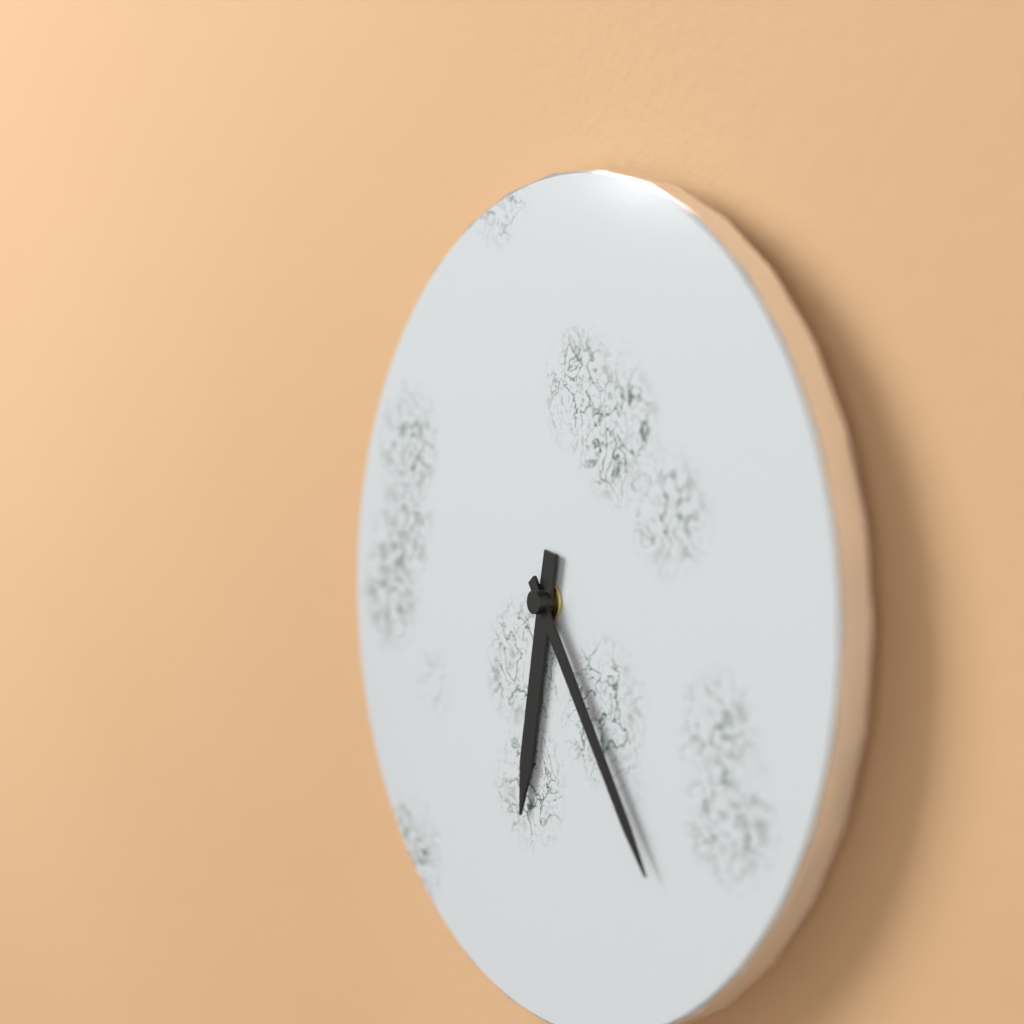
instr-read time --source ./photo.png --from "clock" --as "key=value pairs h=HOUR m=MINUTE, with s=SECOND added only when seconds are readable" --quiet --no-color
h=6 m=24
